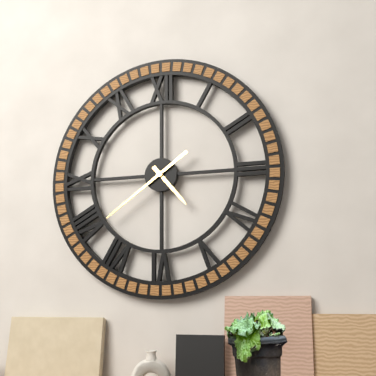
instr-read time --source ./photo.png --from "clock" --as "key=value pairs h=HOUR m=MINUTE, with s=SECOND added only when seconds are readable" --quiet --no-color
h=4 m=39
